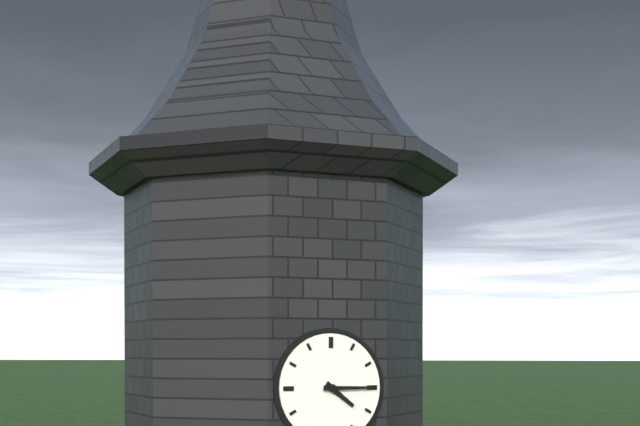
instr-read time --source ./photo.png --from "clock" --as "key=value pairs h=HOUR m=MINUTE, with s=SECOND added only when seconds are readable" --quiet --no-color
h=4 m=15
